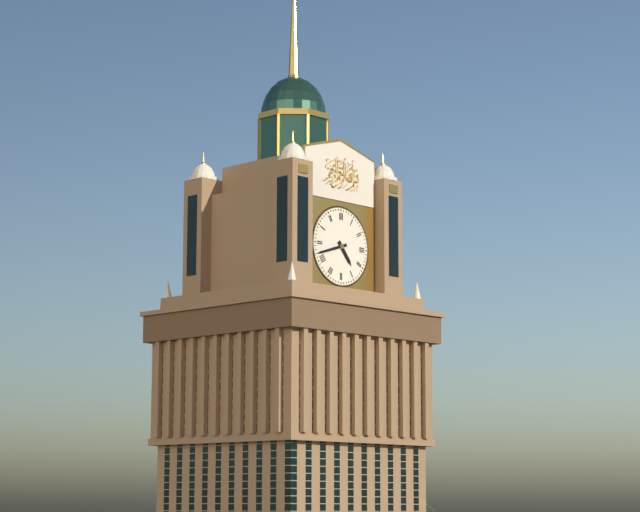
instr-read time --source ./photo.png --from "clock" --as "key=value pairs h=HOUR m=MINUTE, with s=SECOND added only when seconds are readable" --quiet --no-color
h=4 m=42
